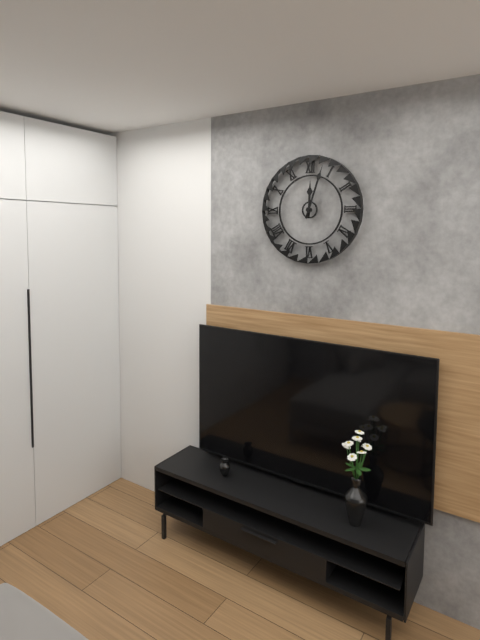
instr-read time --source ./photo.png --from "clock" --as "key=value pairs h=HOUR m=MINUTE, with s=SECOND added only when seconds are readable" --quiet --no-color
h=12 m=3
